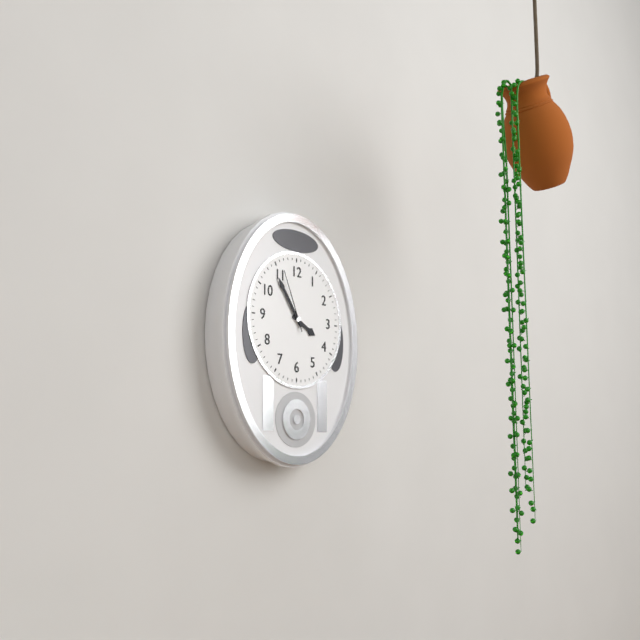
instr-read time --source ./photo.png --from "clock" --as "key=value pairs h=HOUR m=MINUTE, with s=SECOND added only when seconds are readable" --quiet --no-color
h=3 m=54 s=56
